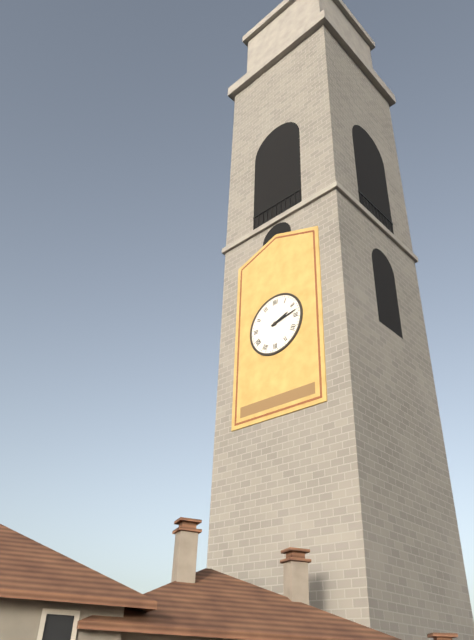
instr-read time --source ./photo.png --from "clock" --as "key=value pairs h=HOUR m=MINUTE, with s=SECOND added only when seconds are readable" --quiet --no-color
h=2 m=13
